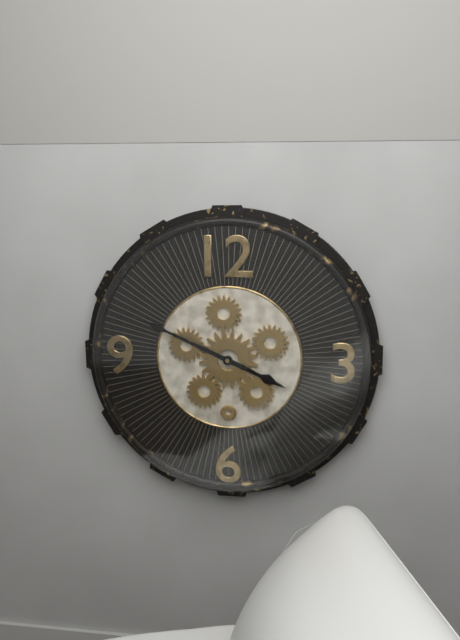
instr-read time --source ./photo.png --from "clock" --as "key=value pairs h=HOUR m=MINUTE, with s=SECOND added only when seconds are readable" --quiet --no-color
h=3 m=49
